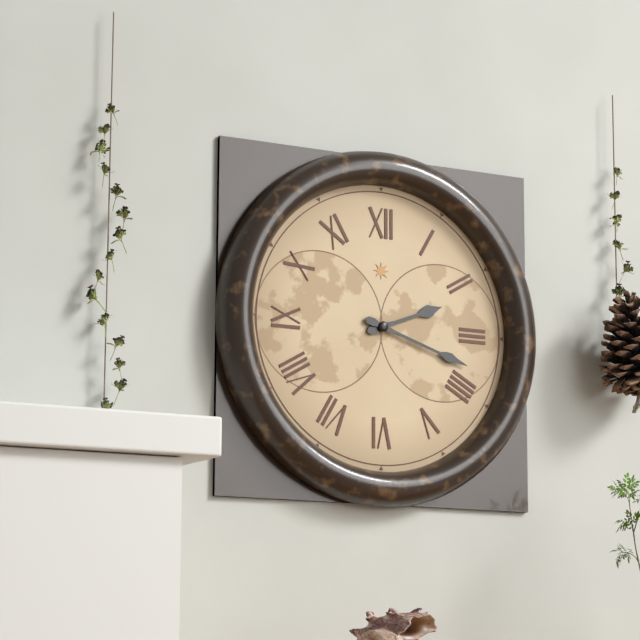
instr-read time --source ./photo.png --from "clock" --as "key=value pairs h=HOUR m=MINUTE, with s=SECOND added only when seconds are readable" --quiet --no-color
h=2 m=18
